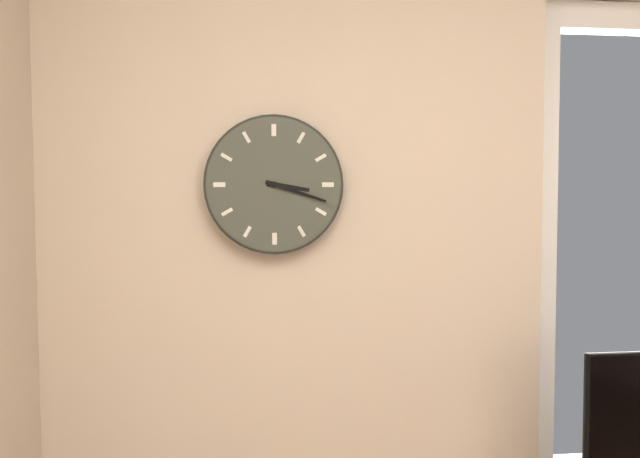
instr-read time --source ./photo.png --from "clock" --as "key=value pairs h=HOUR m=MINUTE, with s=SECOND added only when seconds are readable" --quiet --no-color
h=3 m=18
